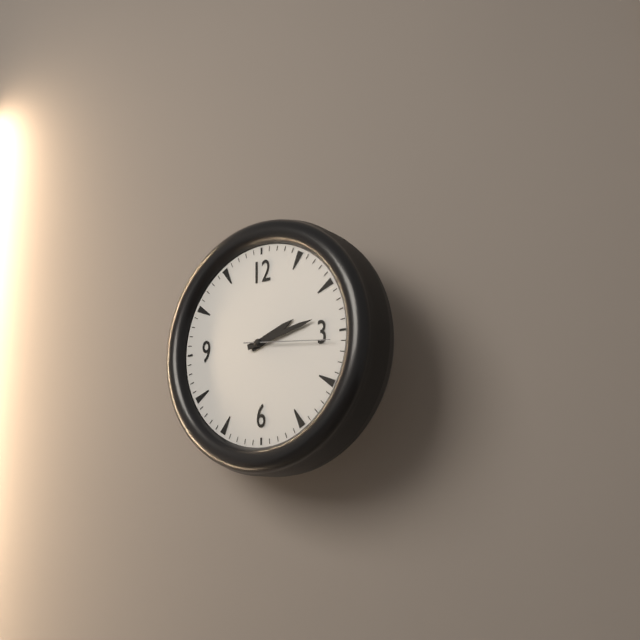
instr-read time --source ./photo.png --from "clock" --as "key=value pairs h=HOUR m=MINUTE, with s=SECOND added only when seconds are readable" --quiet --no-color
h=2 m=13 s=16
